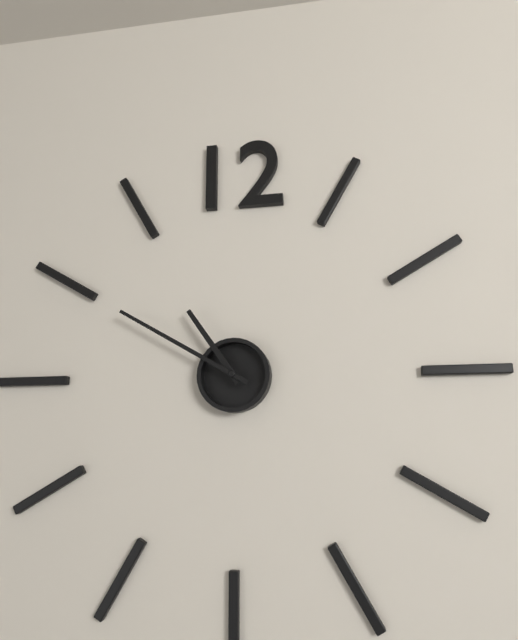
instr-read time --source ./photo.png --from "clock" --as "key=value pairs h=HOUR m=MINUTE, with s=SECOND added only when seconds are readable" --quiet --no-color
h=10 m=50
